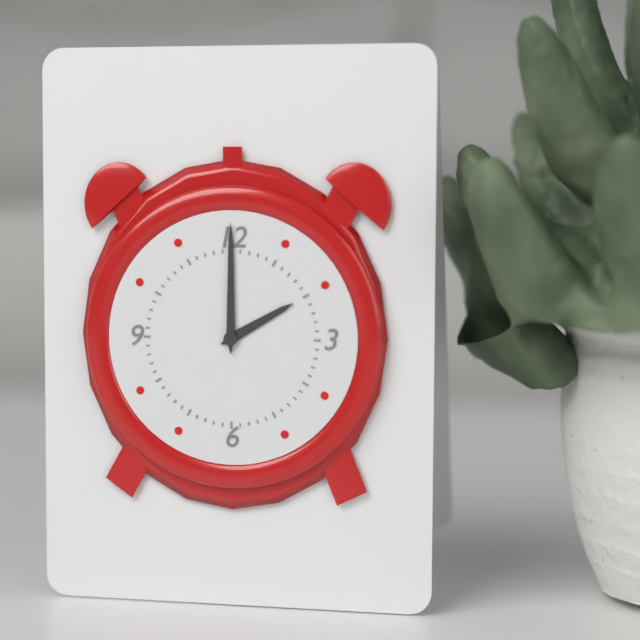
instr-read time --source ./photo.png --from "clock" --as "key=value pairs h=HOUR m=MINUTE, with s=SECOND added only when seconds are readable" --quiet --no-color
h=2 m=0
